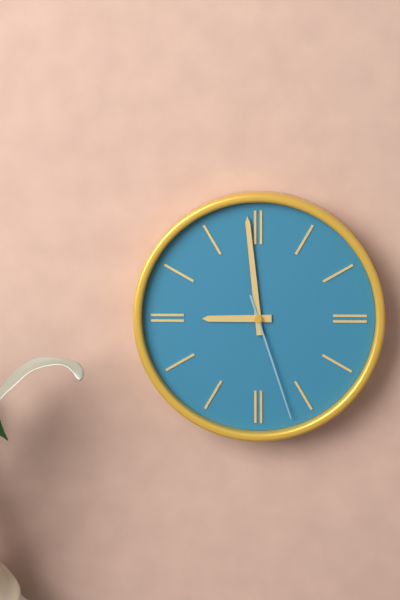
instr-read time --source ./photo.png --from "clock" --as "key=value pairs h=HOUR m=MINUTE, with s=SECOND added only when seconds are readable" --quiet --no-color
h=8 m=59 s=27
